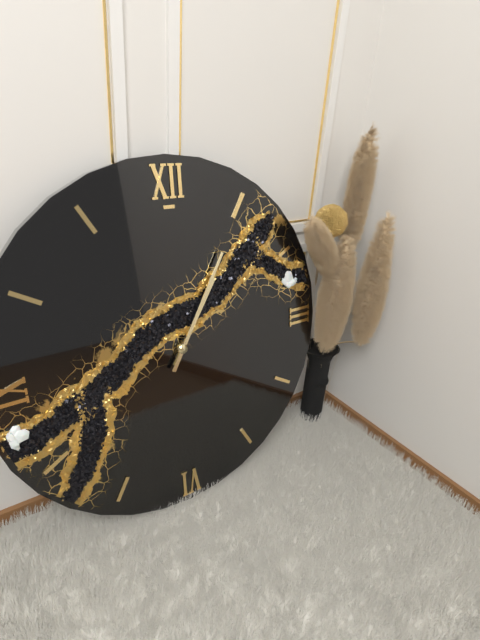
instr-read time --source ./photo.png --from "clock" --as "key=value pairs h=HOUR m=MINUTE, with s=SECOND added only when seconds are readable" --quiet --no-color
h=1 m=5
